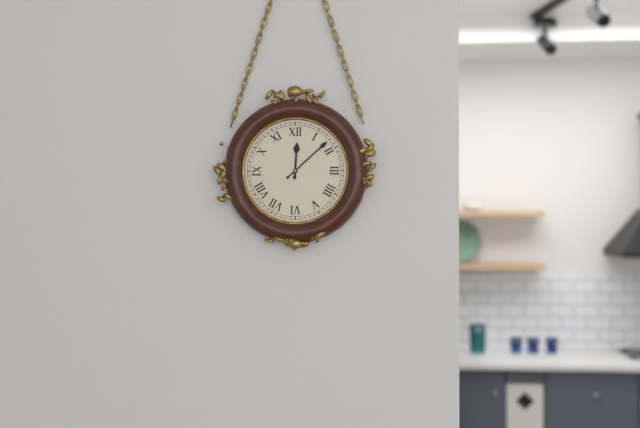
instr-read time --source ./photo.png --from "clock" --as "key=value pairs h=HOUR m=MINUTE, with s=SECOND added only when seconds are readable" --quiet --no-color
h=12 m=8
